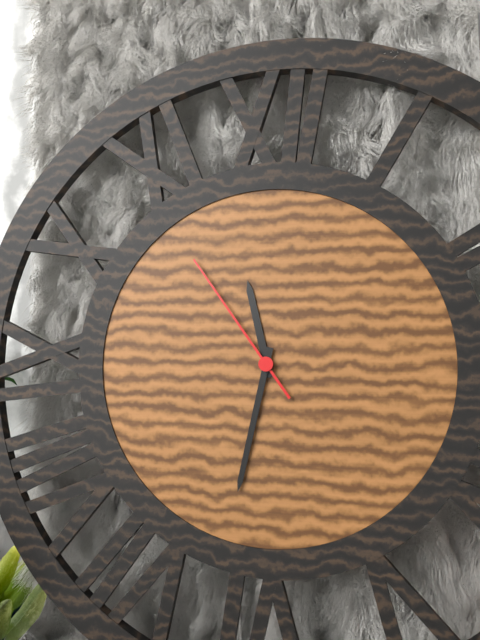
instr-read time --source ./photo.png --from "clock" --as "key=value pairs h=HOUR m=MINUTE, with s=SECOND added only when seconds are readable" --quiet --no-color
h=11 m=32 s=54
